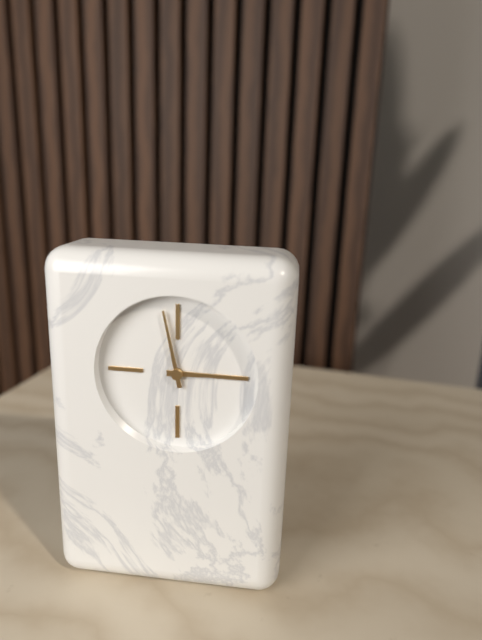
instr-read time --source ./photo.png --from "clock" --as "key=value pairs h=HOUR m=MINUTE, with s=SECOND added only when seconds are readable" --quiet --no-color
h=2 m=58
